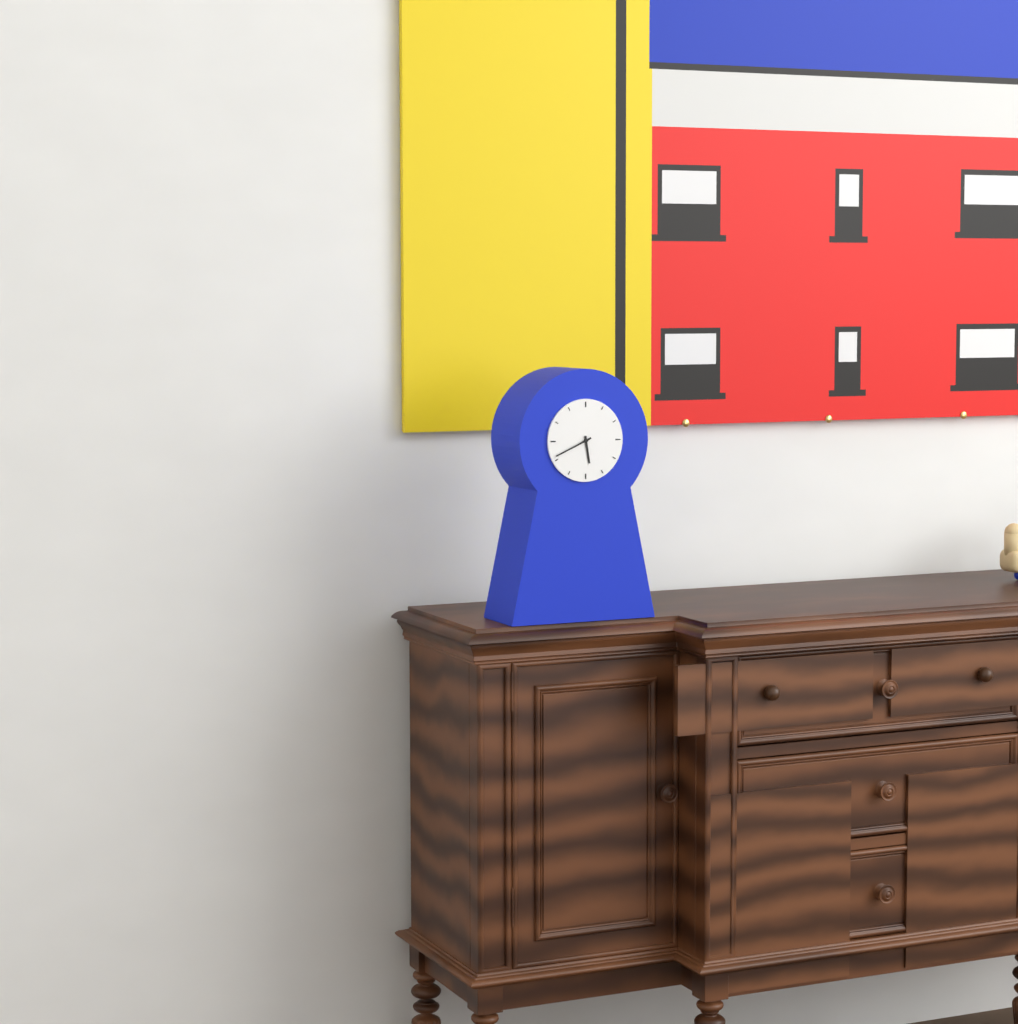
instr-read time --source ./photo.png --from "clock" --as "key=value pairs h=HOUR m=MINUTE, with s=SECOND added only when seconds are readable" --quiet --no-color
h=5 m=41
